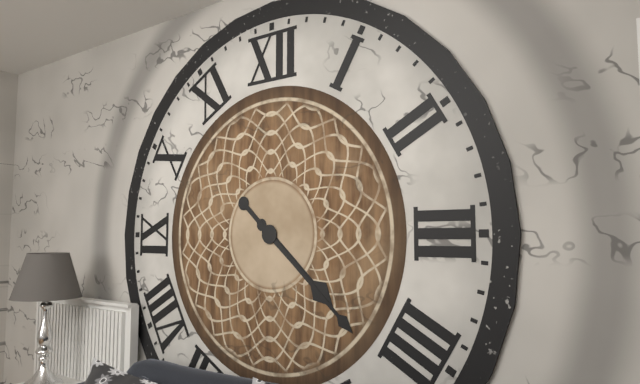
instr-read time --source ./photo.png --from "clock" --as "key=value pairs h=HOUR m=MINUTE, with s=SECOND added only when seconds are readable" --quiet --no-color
h=4 m=22
